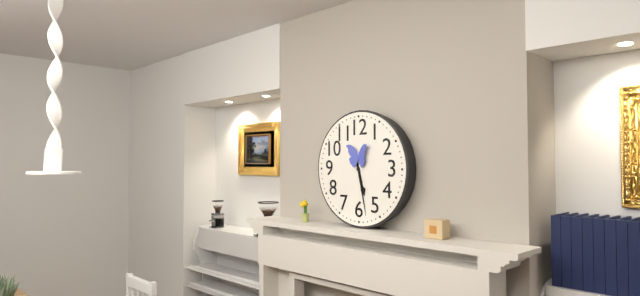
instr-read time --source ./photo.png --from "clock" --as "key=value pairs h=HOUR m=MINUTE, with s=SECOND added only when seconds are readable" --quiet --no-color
h=5 m=28
